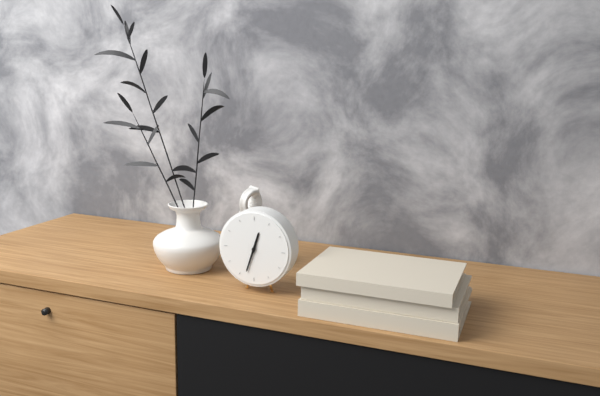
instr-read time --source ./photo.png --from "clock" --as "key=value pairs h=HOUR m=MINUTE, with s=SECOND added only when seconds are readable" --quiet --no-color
h=12 m=33
